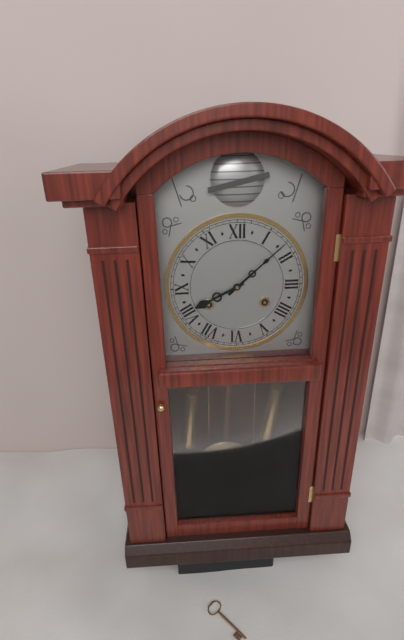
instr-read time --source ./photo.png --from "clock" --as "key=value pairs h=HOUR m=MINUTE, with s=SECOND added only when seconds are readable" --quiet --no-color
h=8 m=8
